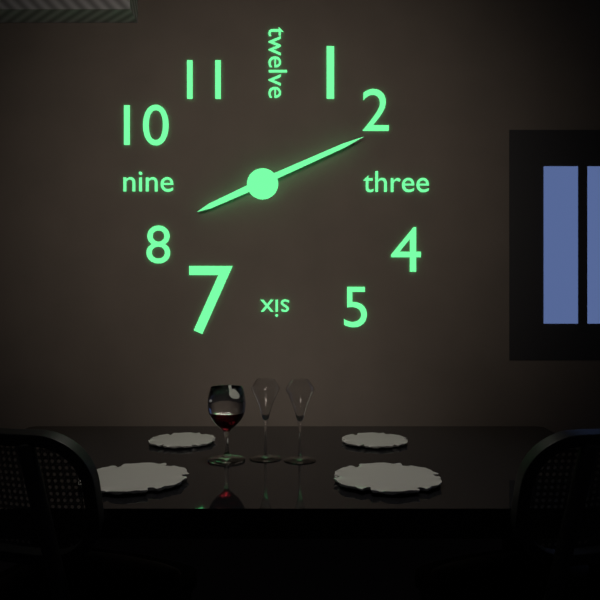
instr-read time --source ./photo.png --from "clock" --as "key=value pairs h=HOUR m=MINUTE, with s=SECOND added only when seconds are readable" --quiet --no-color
h=8 m=11
